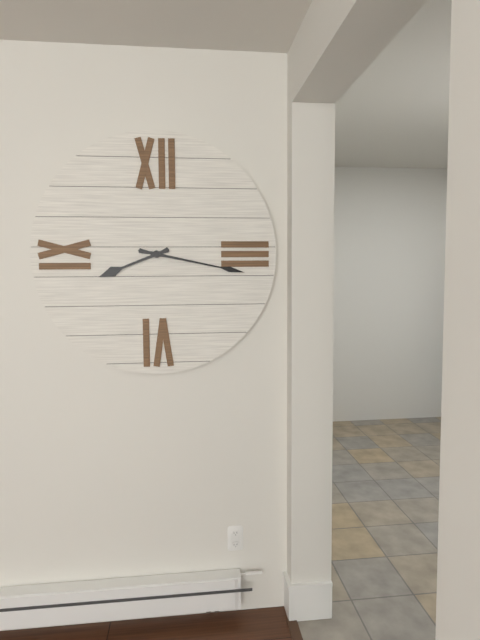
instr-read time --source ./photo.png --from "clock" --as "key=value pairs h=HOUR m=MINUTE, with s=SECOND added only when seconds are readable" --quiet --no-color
h=8 m=17
